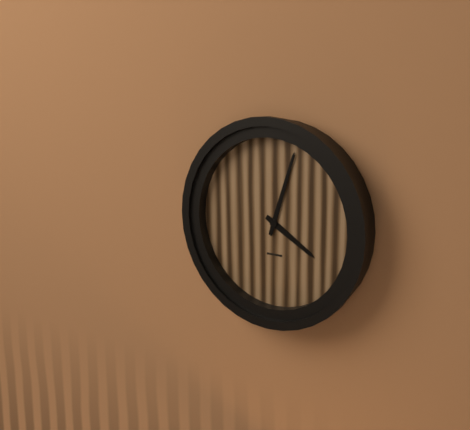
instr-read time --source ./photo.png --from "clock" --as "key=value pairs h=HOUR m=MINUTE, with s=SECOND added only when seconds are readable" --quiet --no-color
h=4 m=3
